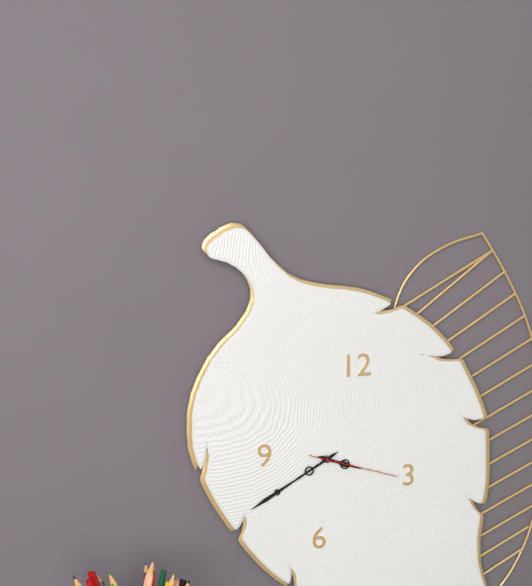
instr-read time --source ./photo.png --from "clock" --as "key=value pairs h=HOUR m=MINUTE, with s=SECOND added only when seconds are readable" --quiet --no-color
h=3 m=40 s=18
